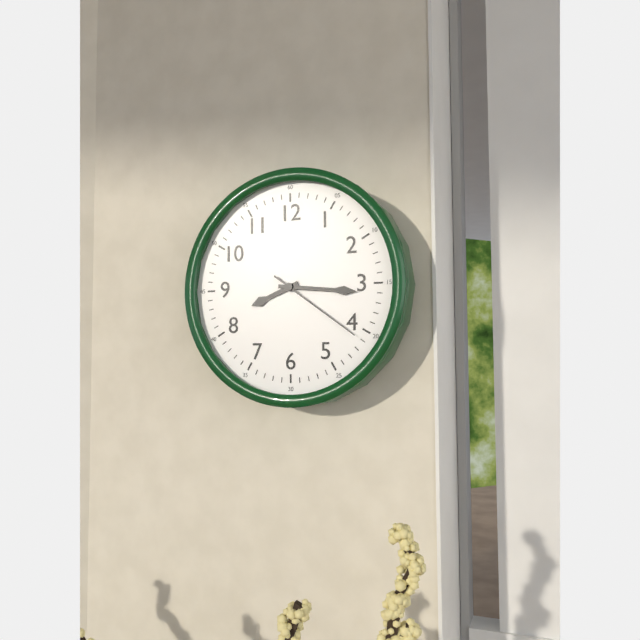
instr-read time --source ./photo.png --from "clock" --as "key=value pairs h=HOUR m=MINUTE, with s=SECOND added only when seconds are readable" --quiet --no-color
h=8 m=16 s=21
